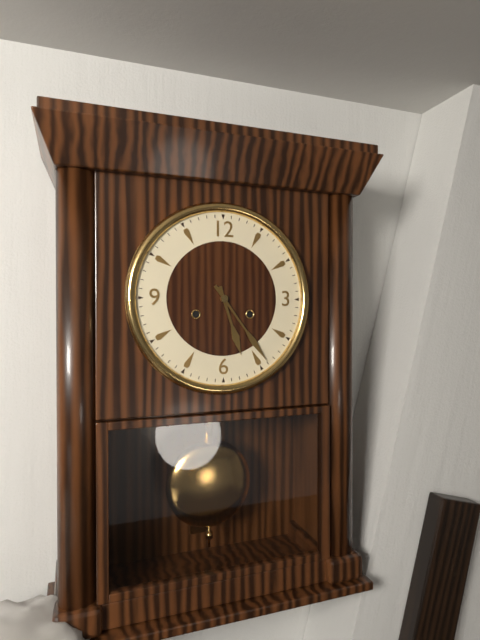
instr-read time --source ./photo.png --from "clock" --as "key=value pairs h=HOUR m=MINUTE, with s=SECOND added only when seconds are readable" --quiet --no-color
h=5 m=24
